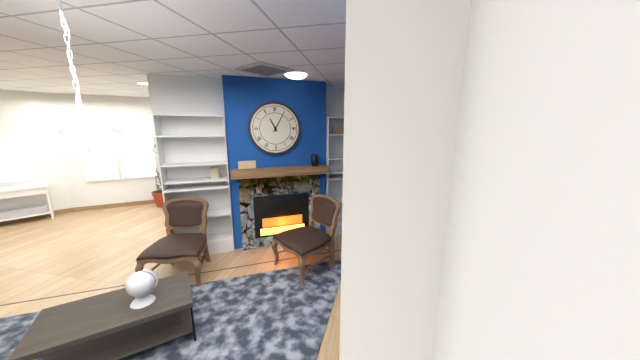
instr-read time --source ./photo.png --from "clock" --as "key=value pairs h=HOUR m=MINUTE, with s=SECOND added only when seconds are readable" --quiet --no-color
h=11 m=5
